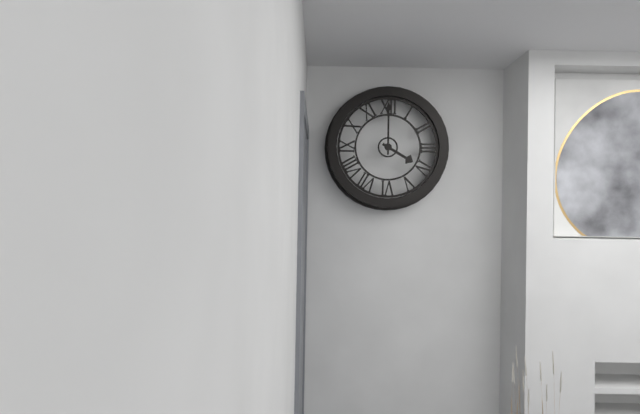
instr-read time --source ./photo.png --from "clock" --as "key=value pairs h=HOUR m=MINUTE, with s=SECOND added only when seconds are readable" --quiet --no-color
h=4 m=0
